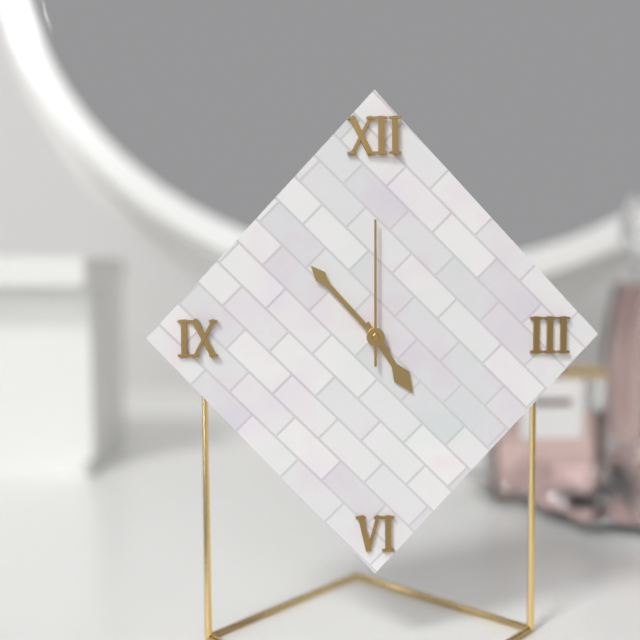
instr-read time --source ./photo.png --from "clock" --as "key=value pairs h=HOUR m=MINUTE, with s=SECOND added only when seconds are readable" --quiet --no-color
h=4 m=53 s=0
